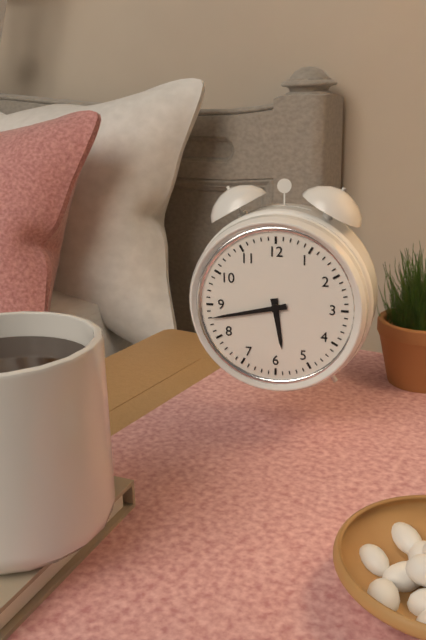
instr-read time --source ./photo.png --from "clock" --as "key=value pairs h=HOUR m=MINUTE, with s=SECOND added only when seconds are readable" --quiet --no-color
h=5 m=43
